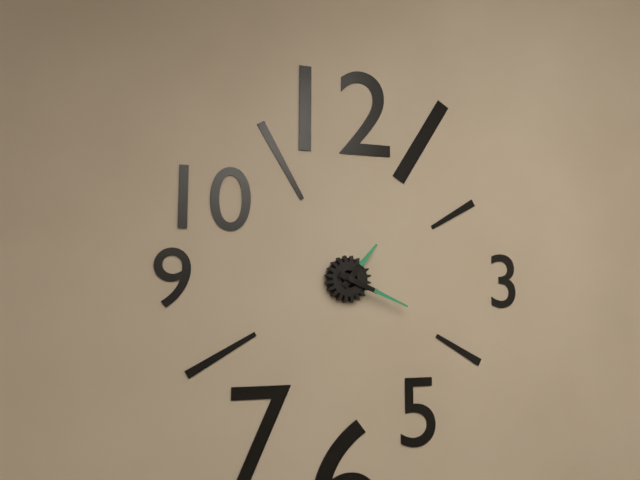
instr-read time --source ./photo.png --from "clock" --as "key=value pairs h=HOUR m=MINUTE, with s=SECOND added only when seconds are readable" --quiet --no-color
h=1 m=19
